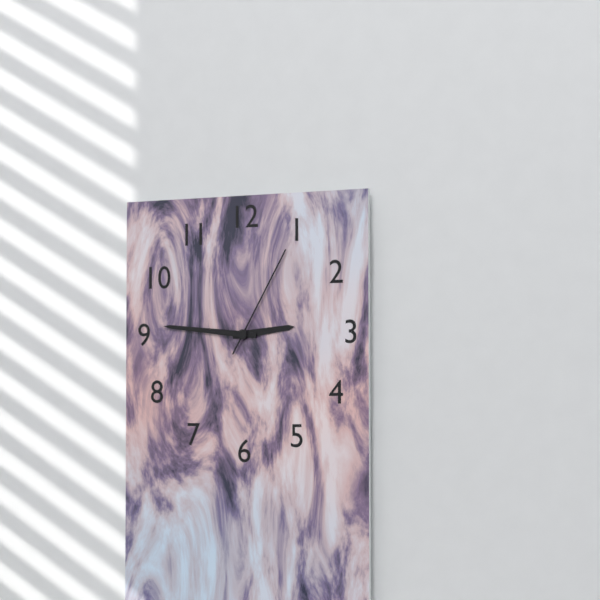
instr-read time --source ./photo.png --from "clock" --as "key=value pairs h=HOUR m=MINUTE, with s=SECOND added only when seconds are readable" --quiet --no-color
h=2 m=46 s=5
